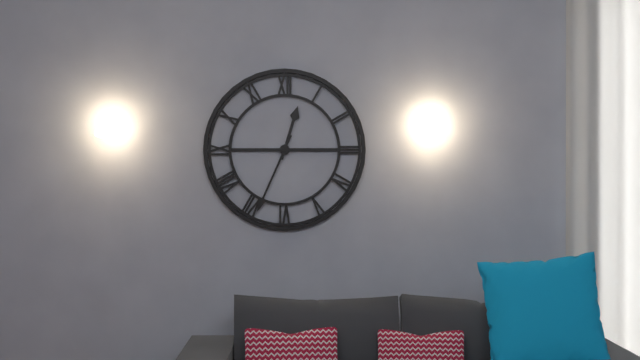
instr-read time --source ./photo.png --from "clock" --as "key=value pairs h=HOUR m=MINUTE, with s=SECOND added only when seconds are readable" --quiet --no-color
h=12 m=34
